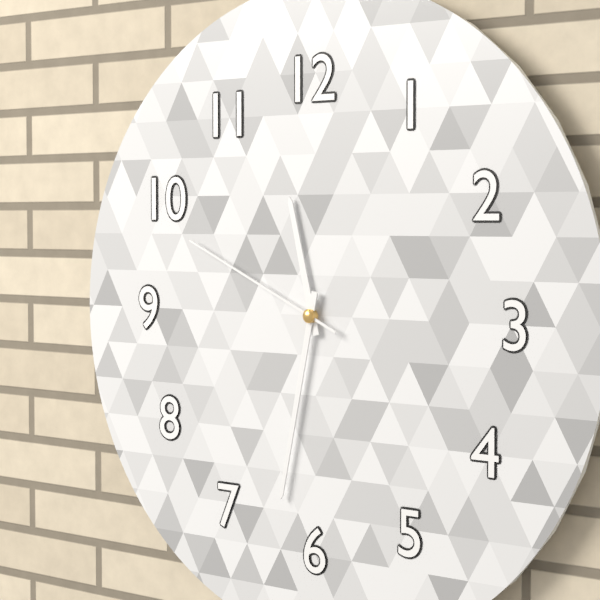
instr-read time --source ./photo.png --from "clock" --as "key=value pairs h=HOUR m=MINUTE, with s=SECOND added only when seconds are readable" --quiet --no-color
h=11 m=32 s=49
